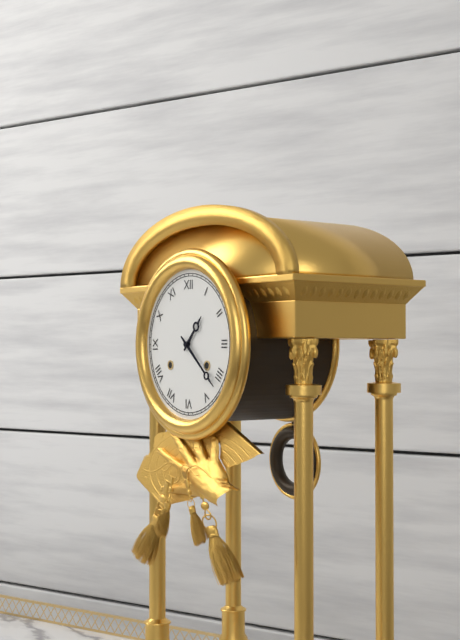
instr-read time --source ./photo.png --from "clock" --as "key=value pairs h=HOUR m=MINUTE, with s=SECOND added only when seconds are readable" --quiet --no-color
h=1 m=22
